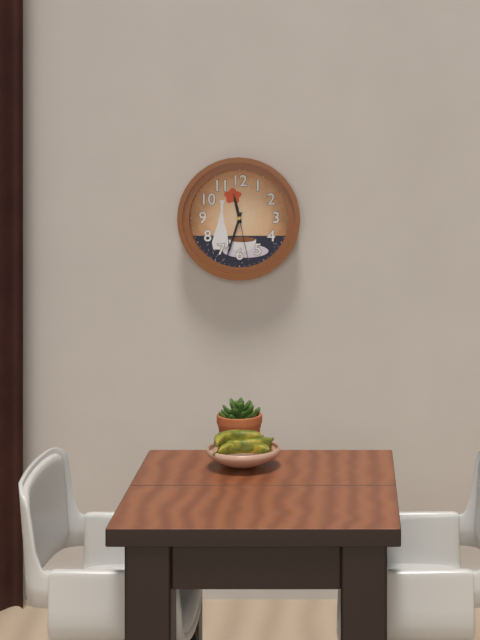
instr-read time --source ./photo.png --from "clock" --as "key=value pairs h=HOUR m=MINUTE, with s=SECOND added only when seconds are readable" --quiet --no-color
h=11 m=33 s=28
